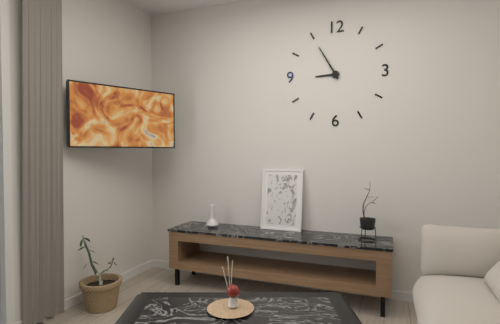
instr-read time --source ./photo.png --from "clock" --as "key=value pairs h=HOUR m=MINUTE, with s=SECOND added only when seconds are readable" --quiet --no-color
h=8 m=55
